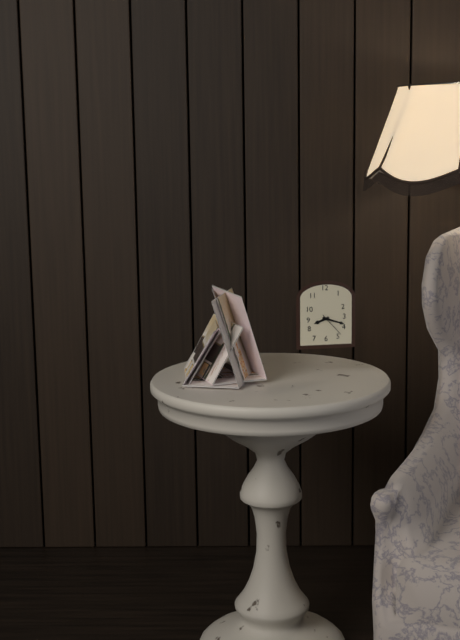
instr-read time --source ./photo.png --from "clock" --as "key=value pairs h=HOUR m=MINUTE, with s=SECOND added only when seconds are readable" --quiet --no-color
h=8 m=18
